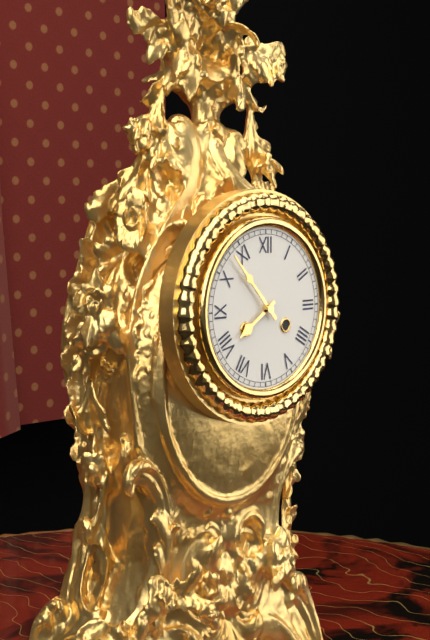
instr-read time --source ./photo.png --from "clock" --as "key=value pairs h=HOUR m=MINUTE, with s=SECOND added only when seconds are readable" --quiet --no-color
h=7 m=53
